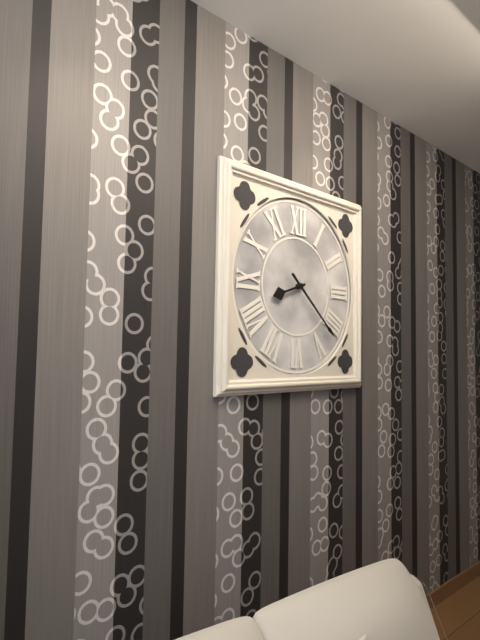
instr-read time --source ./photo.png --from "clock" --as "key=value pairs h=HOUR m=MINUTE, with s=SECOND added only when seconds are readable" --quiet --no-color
h=8 m=22
